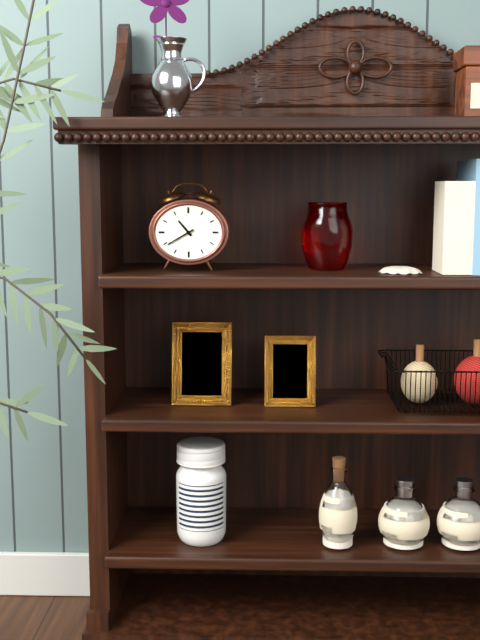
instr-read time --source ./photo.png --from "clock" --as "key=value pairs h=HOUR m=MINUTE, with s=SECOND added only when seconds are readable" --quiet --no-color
h=10 m=40
